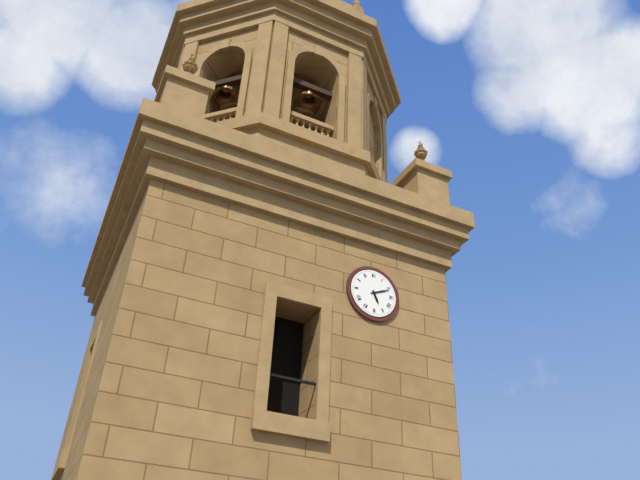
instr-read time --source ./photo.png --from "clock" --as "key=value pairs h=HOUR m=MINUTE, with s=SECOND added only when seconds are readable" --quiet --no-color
h=5 m=11
